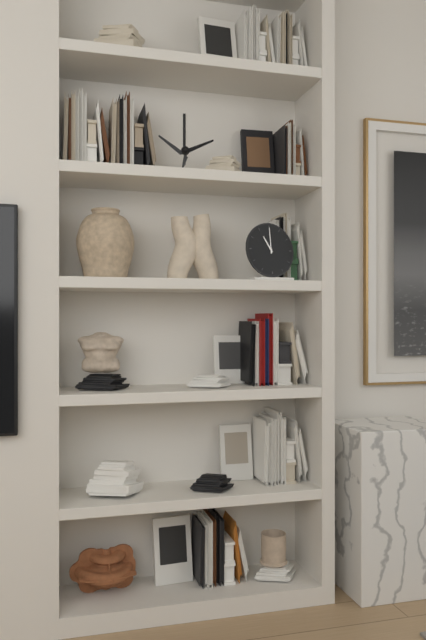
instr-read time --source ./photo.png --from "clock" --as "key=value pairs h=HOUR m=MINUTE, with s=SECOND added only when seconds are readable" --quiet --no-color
h=11 m=0
